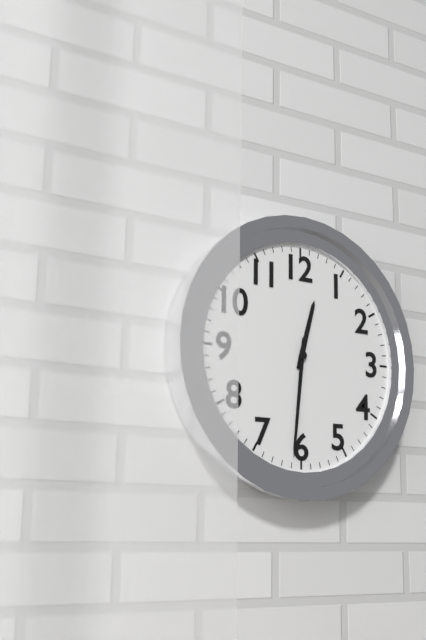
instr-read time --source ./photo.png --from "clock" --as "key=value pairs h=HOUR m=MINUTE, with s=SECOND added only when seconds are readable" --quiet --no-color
h=12 m=31
